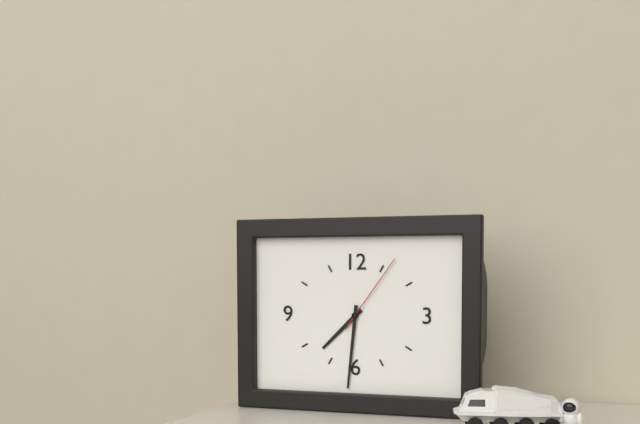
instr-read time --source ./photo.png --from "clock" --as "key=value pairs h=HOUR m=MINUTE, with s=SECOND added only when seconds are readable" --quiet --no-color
h=7 m=31 s=6
